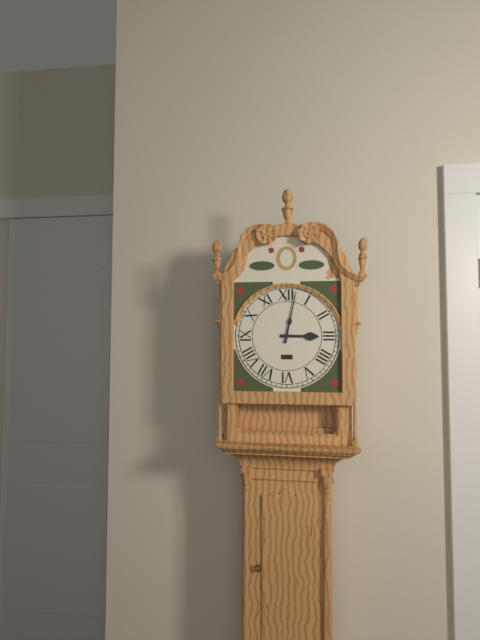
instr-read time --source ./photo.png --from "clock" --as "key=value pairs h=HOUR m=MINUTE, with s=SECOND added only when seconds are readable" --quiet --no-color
h=3 m=2
